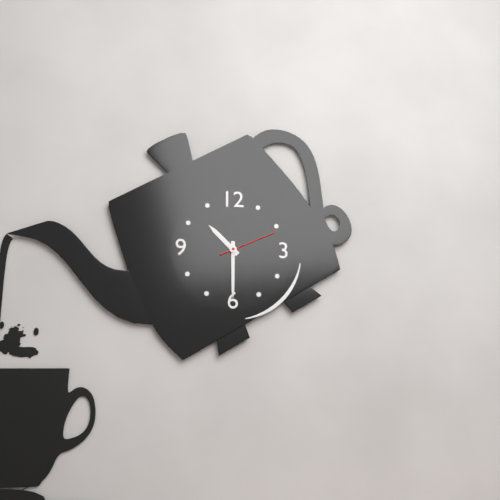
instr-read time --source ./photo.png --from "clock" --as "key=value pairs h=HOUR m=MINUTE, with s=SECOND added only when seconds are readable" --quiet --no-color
h=10 m=30 s=11
